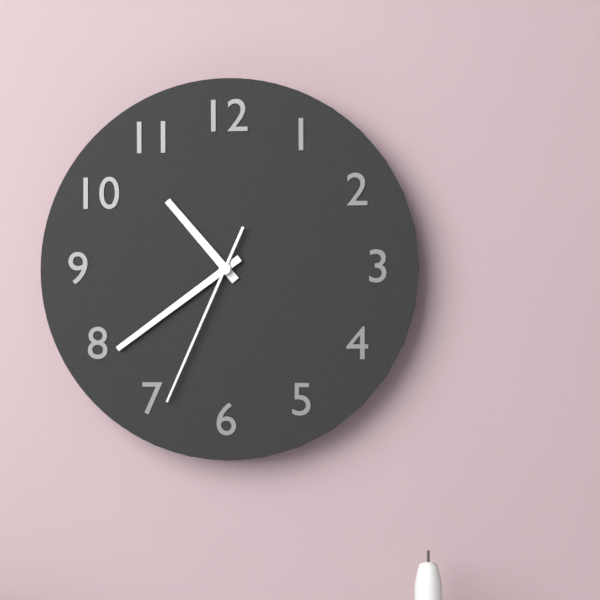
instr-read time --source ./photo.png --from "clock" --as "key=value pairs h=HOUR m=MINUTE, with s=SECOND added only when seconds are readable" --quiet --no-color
h=10 m=39 s=34
